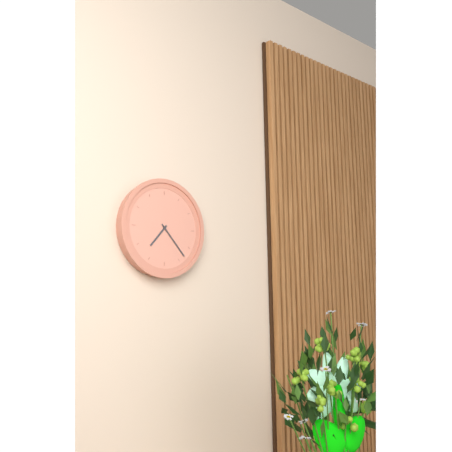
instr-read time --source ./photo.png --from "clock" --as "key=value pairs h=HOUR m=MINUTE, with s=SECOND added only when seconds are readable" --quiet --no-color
h=7 m=23
